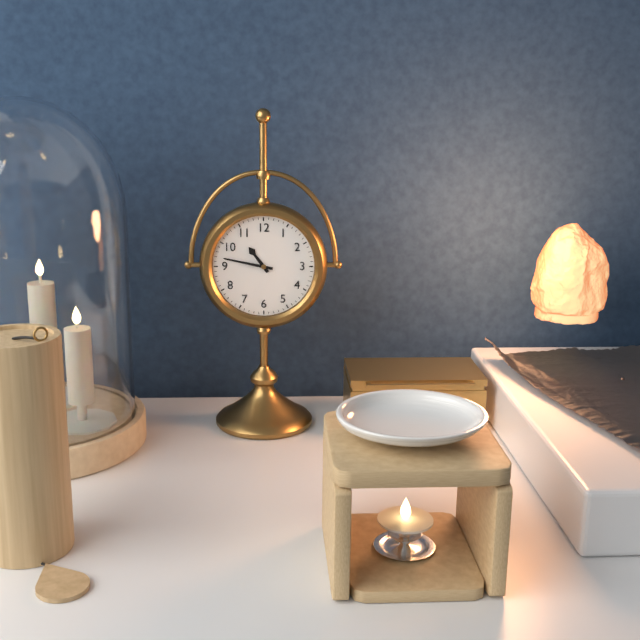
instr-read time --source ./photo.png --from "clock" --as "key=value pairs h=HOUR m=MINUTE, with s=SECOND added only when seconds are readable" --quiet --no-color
h=10 m=47
